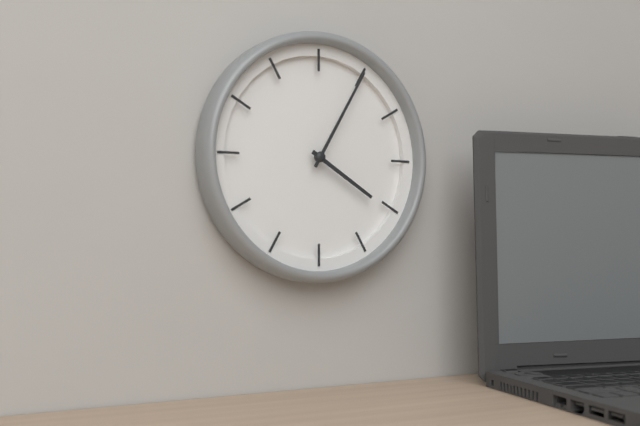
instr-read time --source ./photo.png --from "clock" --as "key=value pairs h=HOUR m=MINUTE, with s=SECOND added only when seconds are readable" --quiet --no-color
h=4 m=5
